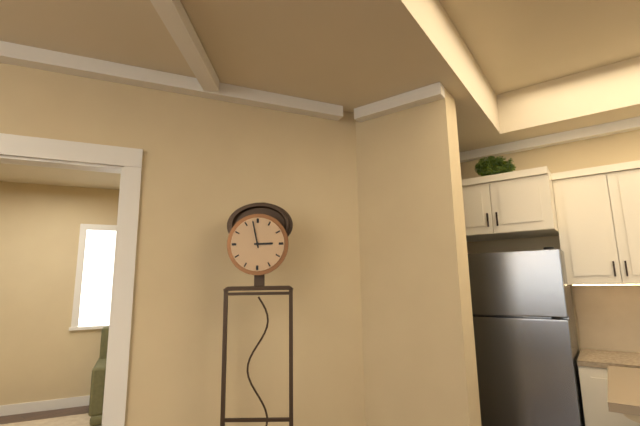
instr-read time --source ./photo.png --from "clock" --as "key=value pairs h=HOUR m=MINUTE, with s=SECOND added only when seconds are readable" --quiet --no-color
h=2 m=58
